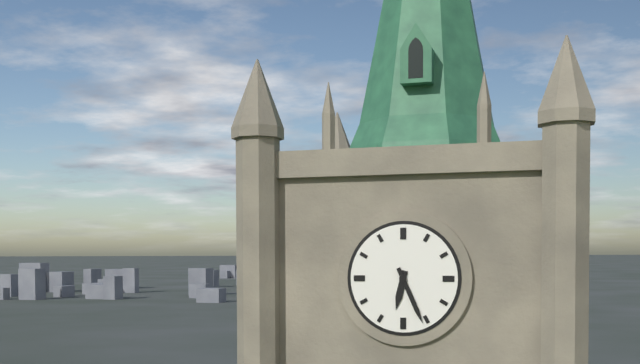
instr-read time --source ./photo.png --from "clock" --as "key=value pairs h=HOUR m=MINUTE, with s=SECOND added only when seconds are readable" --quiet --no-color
h=6 m=26
